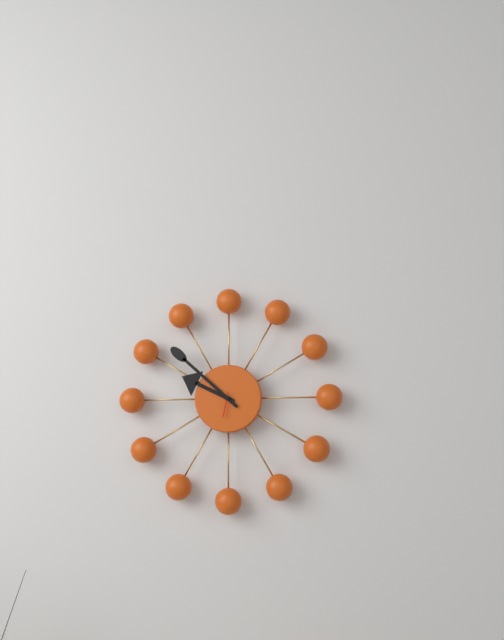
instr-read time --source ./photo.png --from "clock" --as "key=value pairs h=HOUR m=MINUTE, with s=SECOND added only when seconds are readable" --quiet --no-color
h=9 m=52
